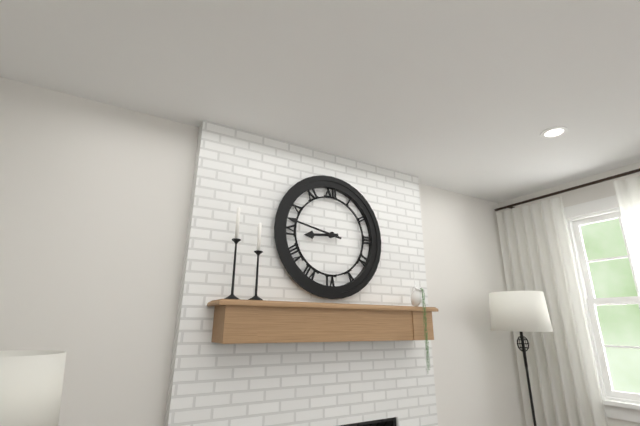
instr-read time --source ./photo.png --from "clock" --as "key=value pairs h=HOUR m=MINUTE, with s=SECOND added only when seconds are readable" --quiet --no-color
h=8 m=47
